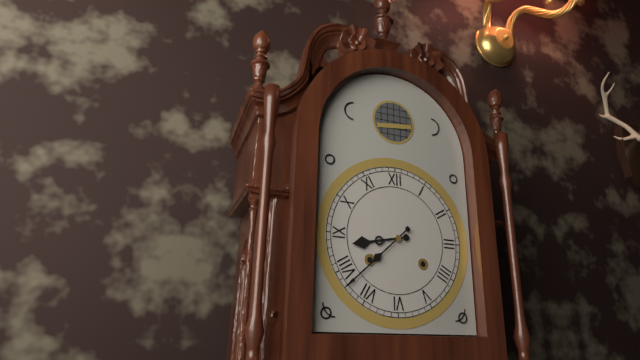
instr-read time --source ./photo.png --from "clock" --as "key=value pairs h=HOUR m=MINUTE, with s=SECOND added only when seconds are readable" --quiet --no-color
h=8 m=38
